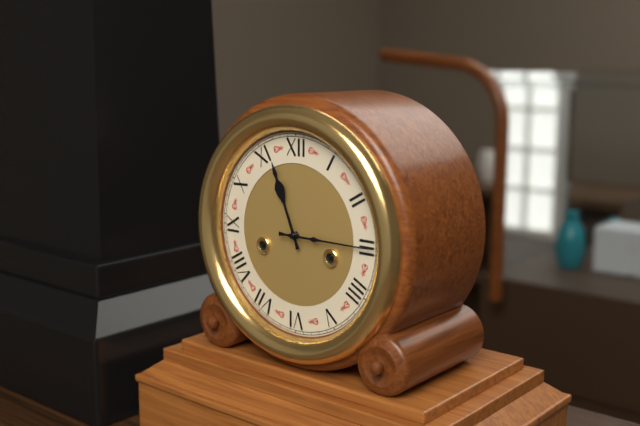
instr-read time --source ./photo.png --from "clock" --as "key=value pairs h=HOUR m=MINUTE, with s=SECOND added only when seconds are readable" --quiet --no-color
h=11 m=15
